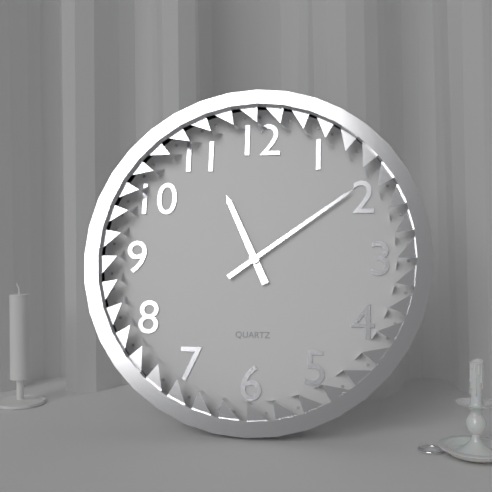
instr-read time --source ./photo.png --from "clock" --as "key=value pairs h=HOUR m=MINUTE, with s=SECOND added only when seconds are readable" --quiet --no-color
h=11 m=9
